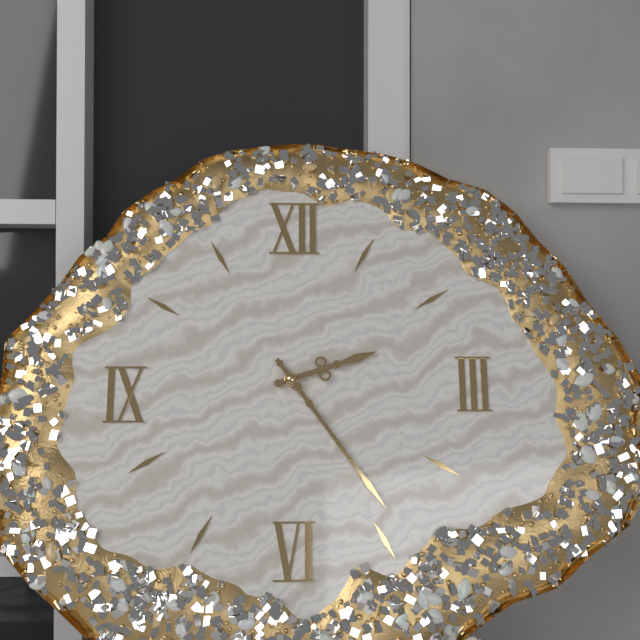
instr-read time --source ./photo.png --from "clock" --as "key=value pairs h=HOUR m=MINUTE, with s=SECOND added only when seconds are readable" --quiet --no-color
h=2 m=24
